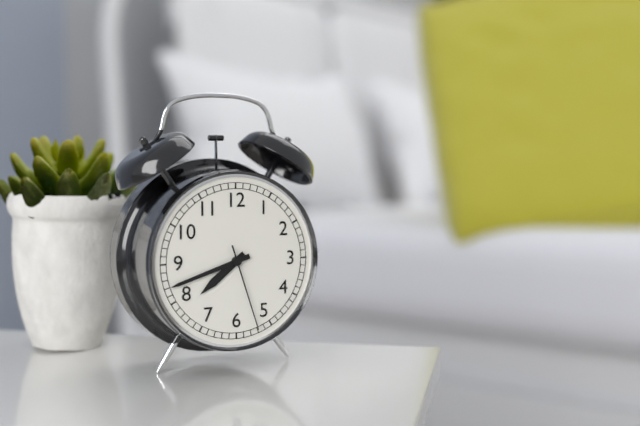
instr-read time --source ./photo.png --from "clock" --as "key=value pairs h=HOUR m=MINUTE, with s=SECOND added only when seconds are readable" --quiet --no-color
h=7 m=42 s=27
